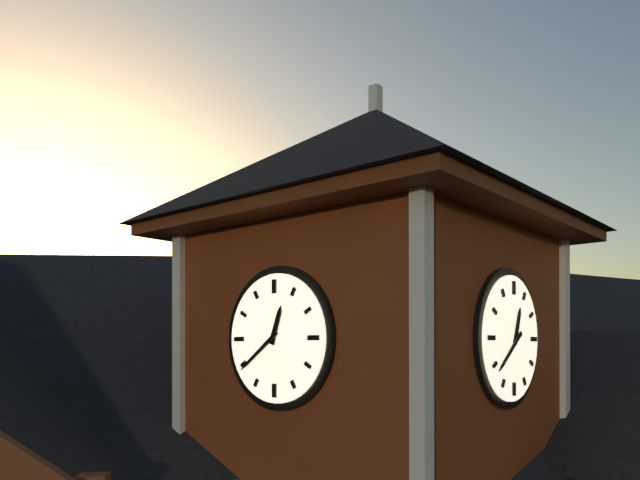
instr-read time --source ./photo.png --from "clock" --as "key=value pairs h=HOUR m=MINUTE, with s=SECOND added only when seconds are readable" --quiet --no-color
h=12 m=39
